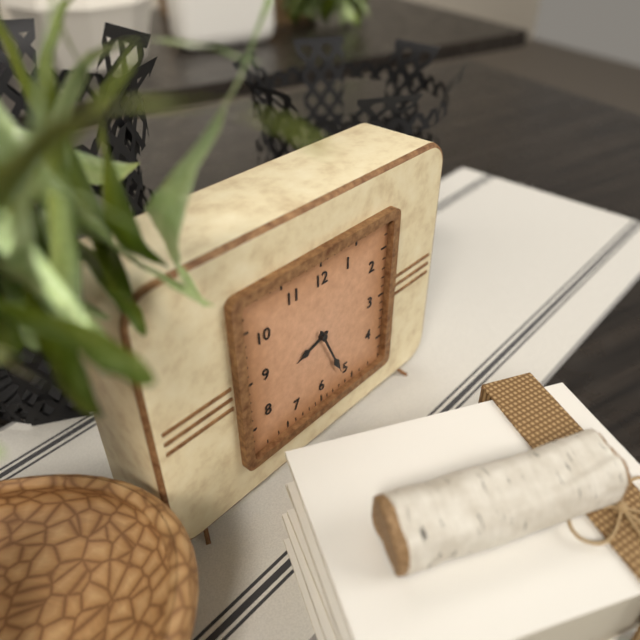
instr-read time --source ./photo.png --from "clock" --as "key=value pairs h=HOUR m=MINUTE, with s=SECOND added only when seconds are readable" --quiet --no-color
h=8 m=26
